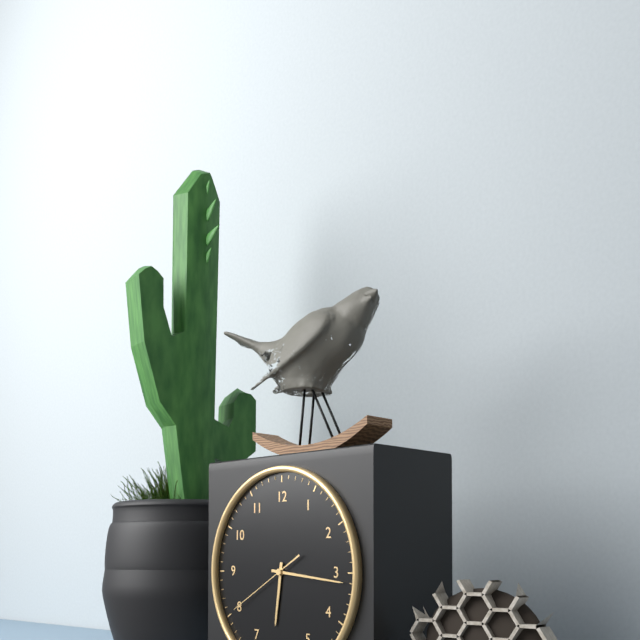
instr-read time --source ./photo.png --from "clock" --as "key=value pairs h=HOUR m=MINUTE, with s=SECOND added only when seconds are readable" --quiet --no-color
h=6 m=16 s=40
